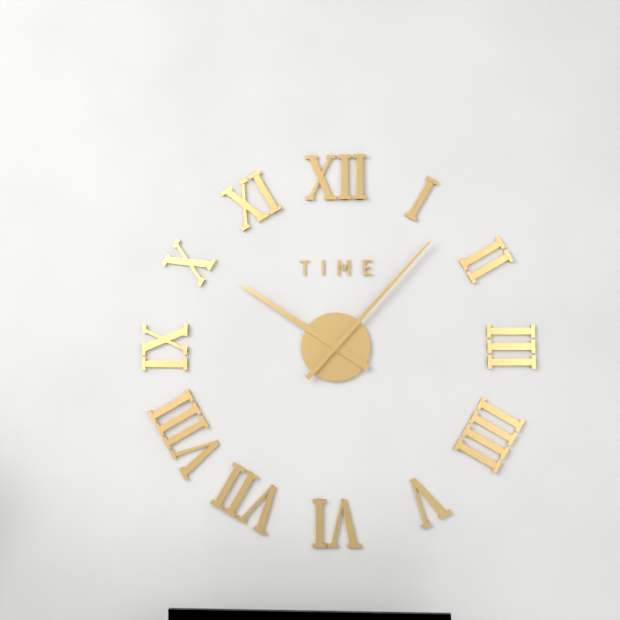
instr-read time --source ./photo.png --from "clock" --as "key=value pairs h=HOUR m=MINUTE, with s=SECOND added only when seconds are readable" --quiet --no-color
h=10 m=7
